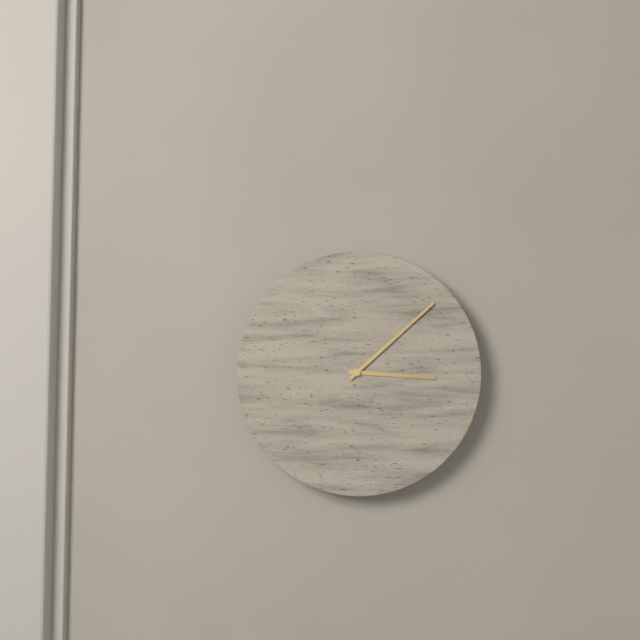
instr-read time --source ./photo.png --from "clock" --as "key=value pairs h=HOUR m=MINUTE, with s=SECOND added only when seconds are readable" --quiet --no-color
h=3 m=8
